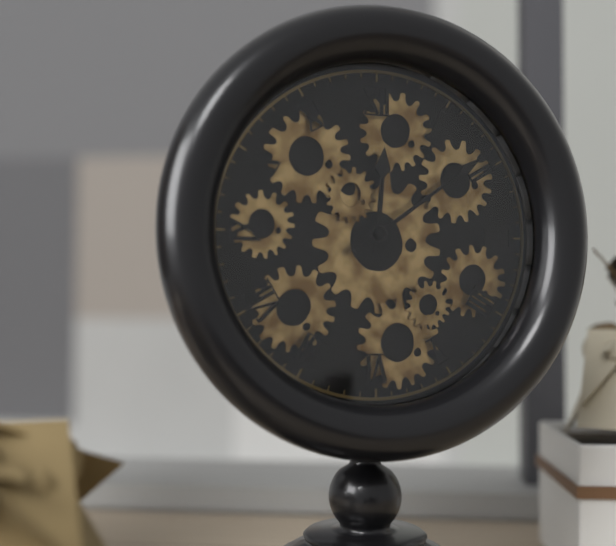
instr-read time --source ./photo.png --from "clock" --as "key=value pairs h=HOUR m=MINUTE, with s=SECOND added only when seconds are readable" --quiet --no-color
h=12 m=9
